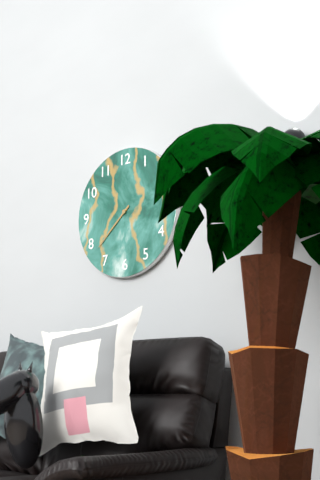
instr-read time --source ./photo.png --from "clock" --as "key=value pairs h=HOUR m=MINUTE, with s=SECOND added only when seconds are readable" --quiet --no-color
h=7 m=38
